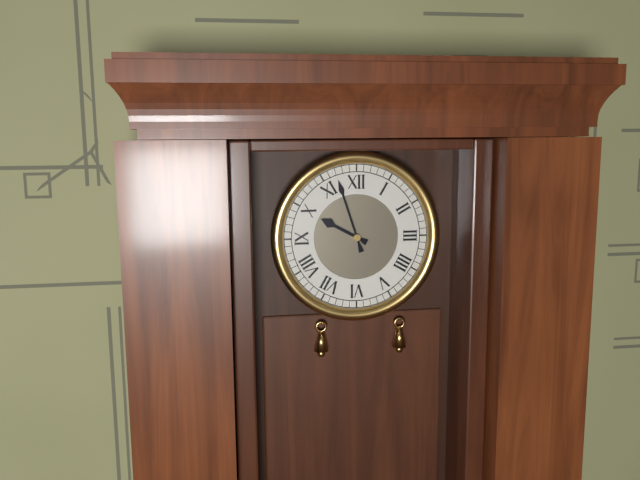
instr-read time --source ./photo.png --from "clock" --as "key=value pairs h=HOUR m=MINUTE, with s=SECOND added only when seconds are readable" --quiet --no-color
h=9 m=57
